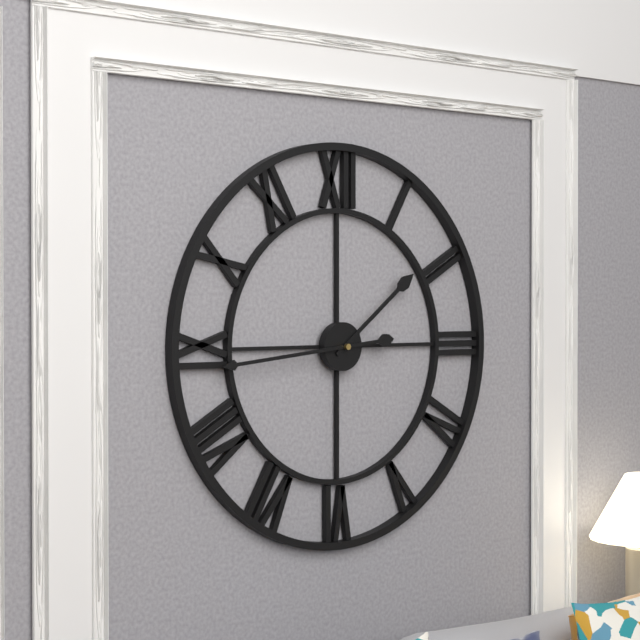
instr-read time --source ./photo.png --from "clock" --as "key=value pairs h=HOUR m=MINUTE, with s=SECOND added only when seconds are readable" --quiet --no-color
h=1 m=44
